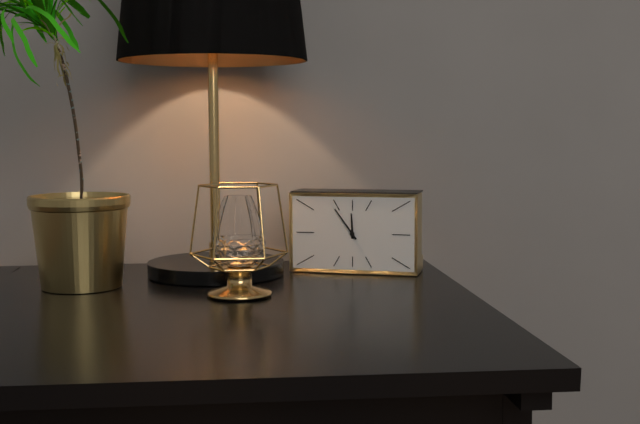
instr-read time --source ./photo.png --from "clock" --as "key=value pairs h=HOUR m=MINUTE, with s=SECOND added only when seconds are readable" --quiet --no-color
h=11 m=54
